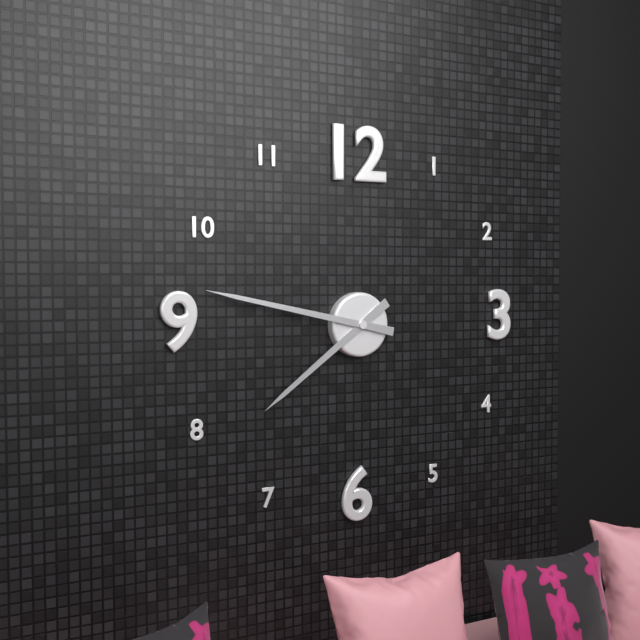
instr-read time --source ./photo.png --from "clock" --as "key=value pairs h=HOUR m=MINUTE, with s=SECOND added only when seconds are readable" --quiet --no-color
h=7 m=47
